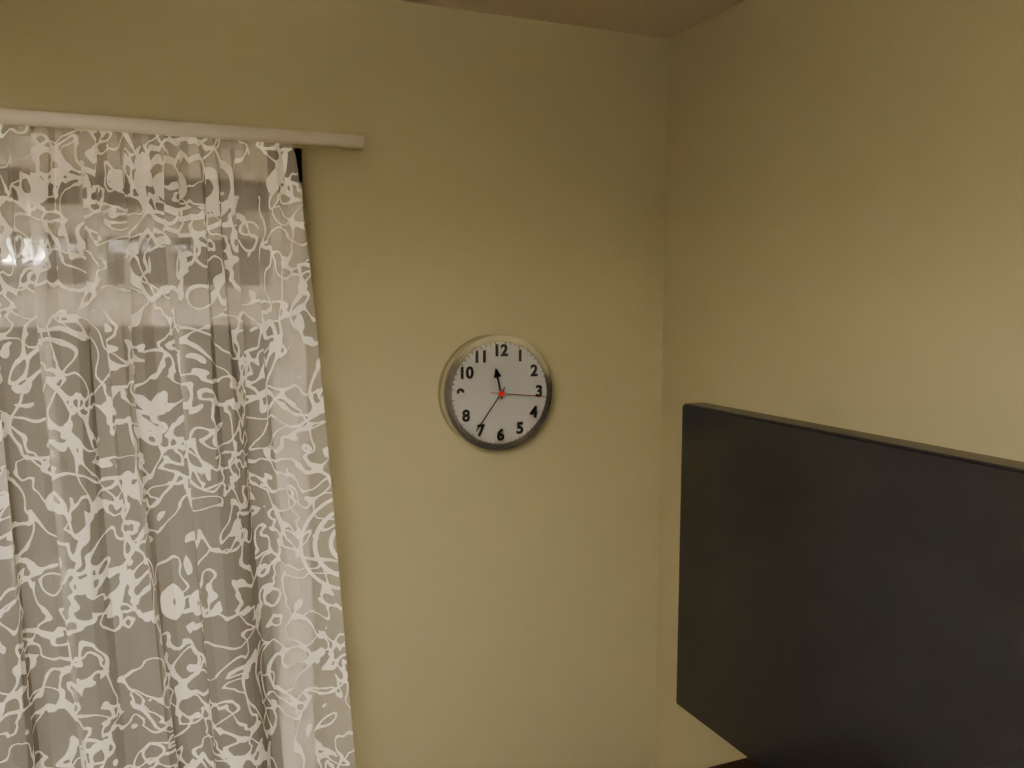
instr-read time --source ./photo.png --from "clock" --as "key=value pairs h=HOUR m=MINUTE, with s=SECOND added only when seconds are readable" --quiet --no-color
h=11 m=36 s=16
